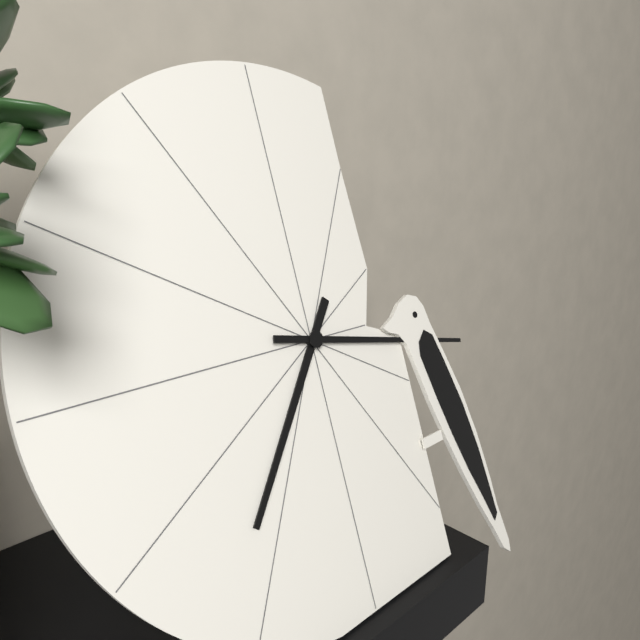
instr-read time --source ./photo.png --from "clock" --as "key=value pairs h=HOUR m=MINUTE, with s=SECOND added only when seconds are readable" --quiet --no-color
h=7 m=17
